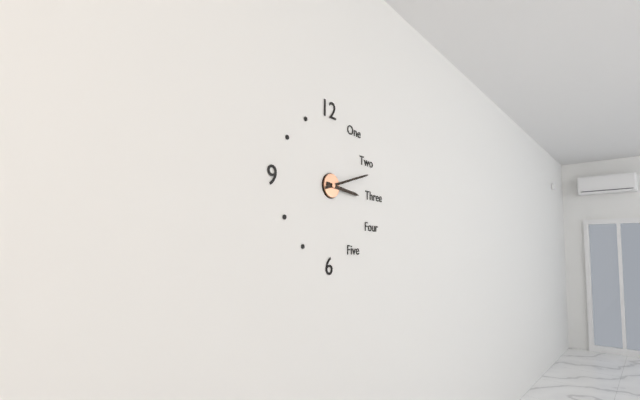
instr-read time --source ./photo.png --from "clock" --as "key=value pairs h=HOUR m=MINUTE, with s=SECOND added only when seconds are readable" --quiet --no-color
h=3 m=12
